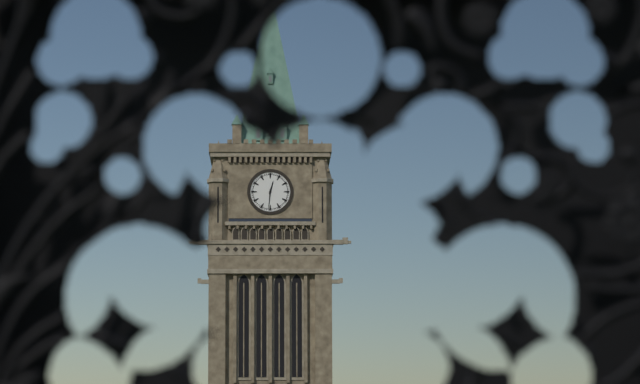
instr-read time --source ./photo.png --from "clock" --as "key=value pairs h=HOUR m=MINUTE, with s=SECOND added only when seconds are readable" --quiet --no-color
h=12 m=31
